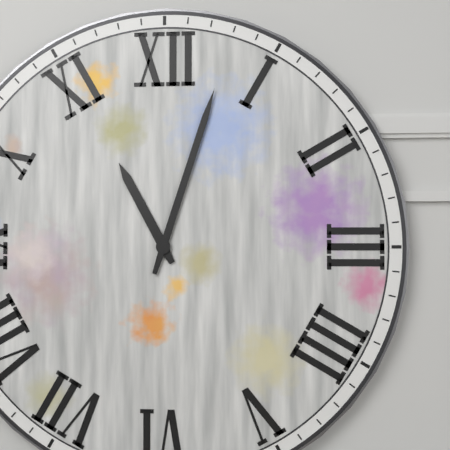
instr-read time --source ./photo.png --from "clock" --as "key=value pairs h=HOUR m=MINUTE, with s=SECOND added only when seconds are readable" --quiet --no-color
h=11 m=3
